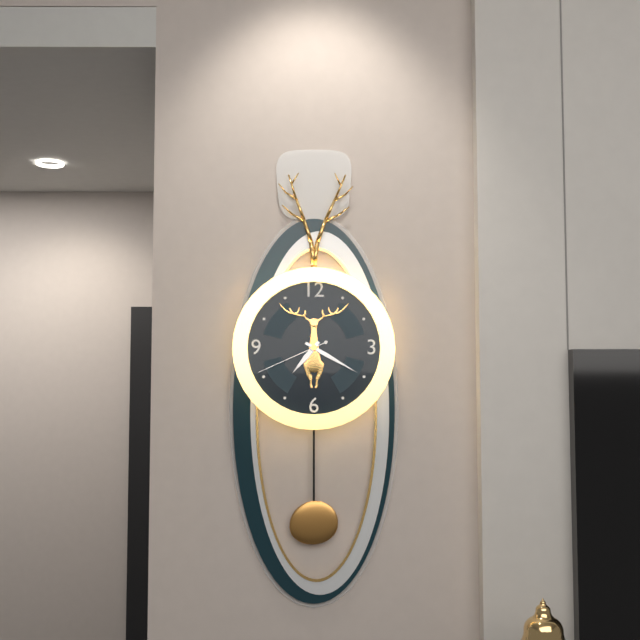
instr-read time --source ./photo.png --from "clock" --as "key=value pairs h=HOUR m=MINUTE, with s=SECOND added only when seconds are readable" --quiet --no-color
h=7 m=20 s=41
